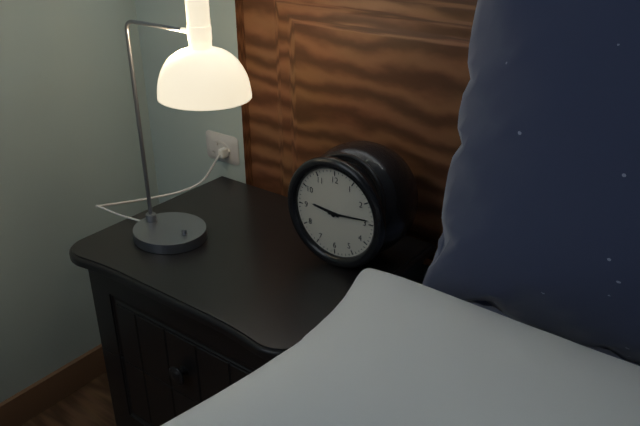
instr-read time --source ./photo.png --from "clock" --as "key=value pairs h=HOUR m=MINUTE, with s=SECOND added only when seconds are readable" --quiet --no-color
h=9 m=14
